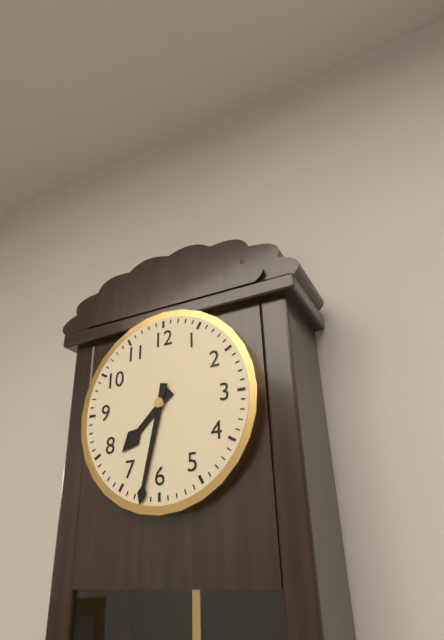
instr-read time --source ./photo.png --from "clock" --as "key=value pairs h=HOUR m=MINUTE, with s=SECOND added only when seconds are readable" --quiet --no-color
h=7 m=32
